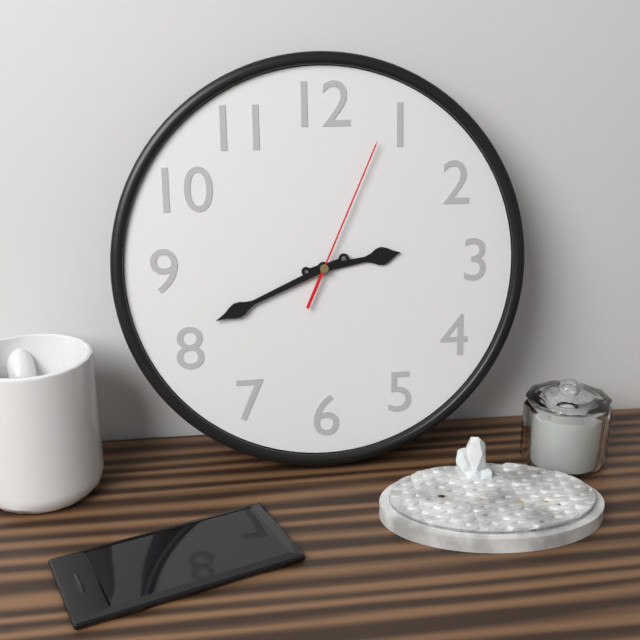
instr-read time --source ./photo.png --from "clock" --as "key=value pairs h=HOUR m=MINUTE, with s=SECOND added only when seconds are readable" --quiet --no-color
h=2 m=41 s=4
